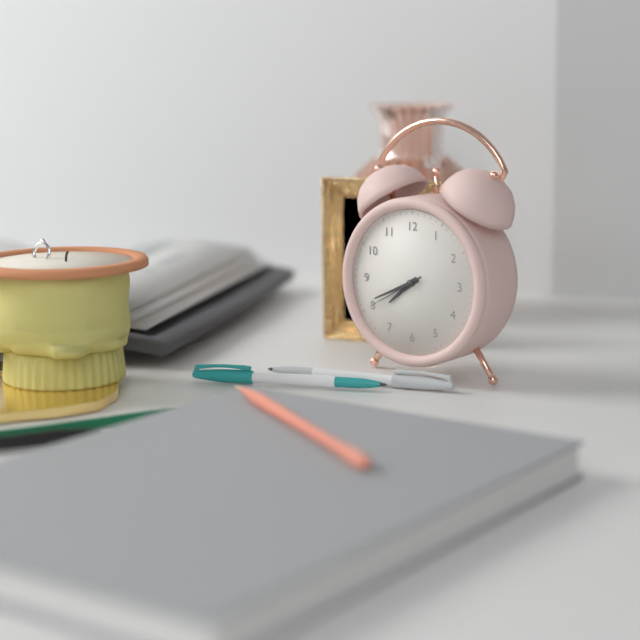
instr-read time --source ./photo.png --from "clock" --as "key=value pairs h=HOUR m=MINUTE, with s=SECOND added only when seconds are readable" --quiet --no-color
h=7 m=41 s=40
